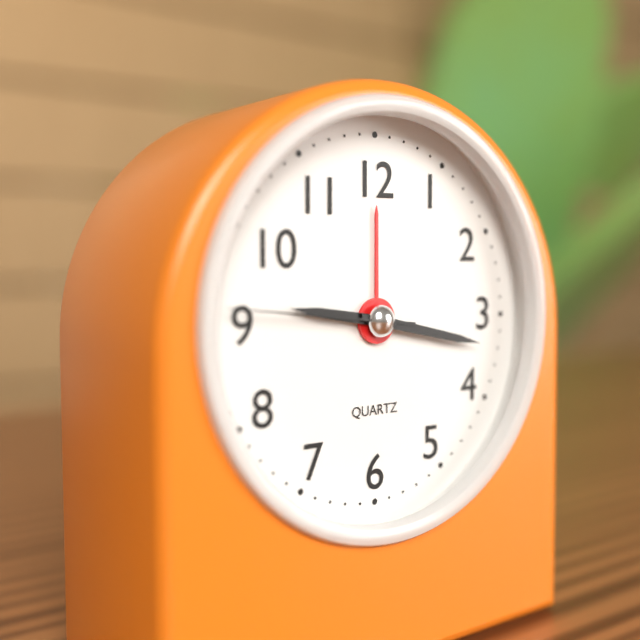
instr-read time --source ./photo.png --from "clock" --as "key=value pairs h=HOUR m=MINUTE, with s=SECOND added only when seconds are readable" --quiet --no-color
h=9 m=17 s=46
